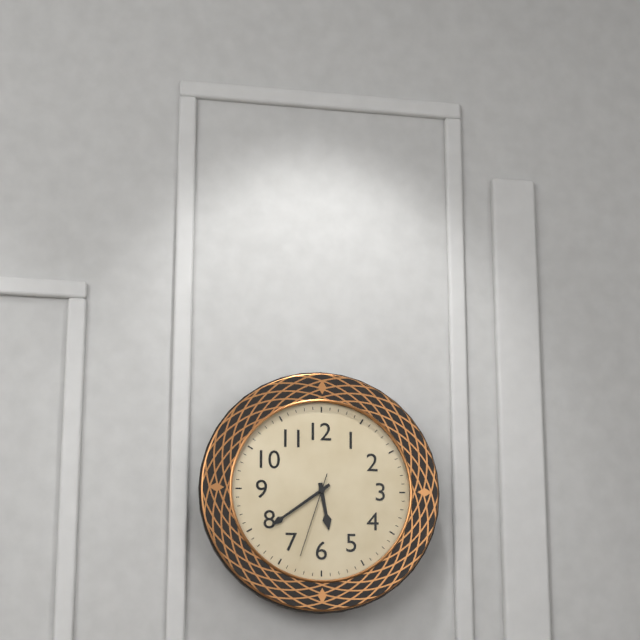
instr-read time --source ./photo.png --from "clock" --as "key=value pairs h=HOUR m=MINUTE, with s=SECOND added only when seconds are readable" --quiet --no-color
h=5 m=39 s=33
